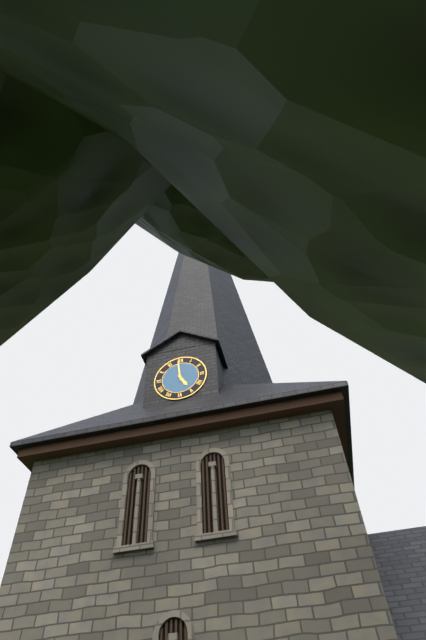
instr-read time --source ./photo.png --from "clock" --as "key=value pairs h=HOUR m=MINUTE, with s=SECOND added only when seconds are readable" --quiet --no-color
h=4 m=59
